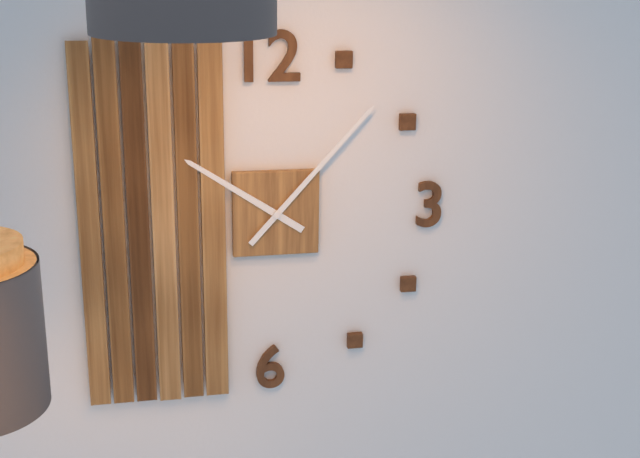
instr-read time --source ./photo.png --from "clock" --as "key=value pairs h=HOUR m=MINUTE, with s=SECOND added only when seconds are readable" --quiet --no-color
h=10 m=7
